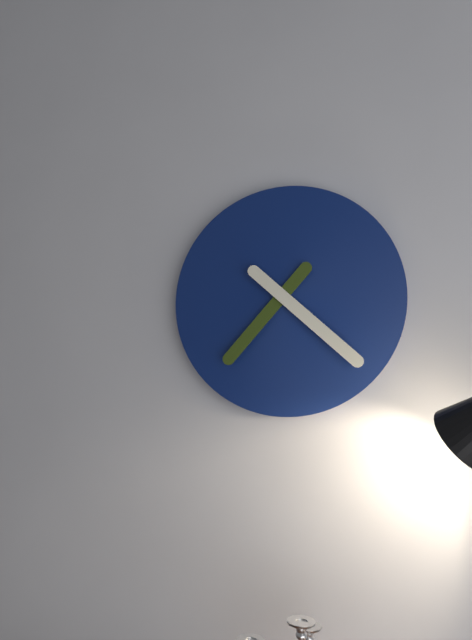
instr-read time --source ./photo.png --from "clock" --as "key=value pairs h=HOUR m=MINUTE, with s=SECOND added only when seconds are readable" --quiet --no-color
h=7 m=22
